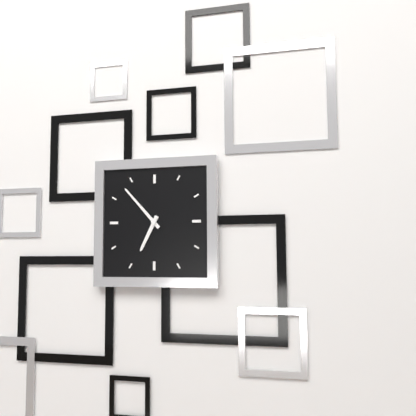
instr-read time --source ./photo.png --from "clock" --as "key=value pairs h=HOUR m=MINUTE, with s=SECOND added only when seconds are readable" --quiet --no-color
h=6 m=53
